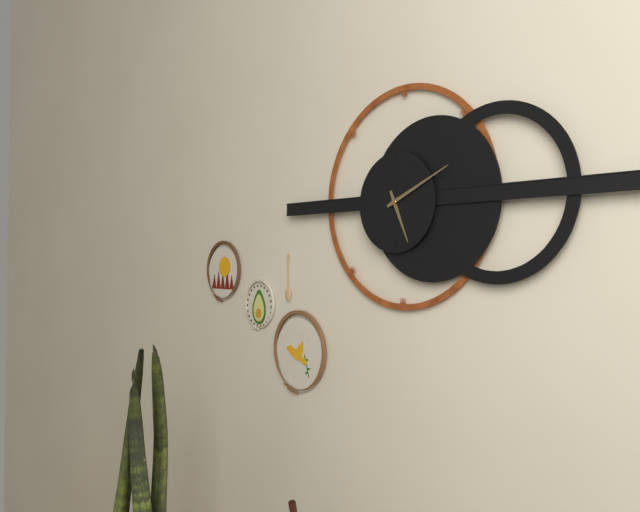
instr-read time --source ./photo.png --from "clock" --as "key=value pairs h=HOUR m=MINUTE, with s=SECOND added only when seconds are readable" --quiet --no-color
h=5 m=11
